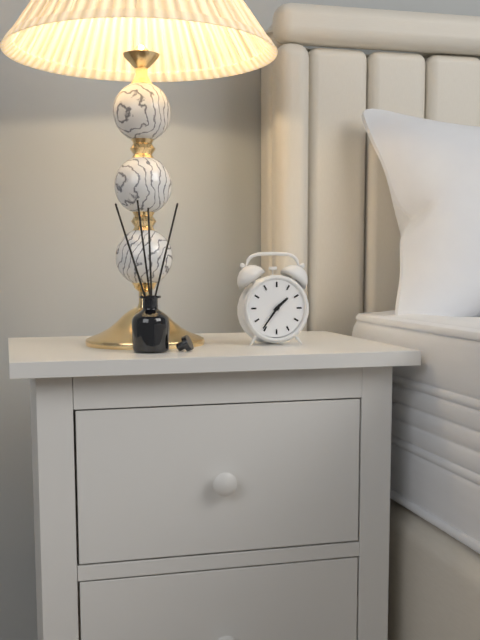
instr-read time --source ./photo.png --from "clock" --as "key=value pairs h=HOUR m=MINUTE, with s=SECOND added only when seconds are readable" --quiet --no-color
h=1 m=36
